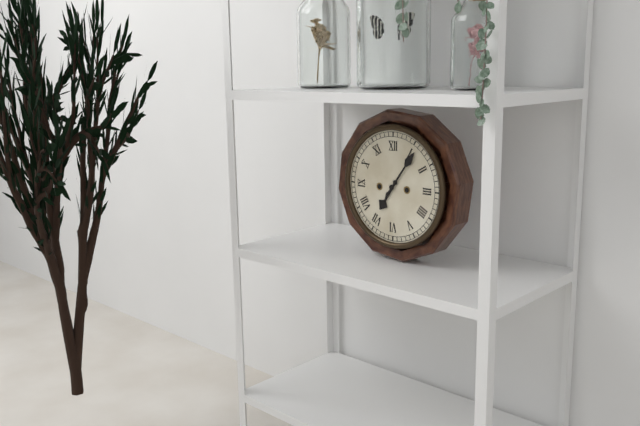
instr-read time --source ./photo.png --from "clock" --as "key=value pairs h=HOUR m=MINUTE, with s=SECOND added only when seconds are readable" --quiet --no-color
h=7 m=6
